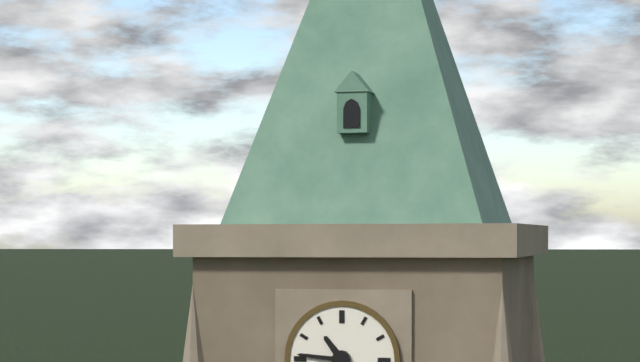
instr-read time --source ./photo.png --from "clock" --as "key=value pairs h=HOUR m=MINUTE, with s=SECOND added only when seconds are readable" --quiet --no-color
h=10 m=46
